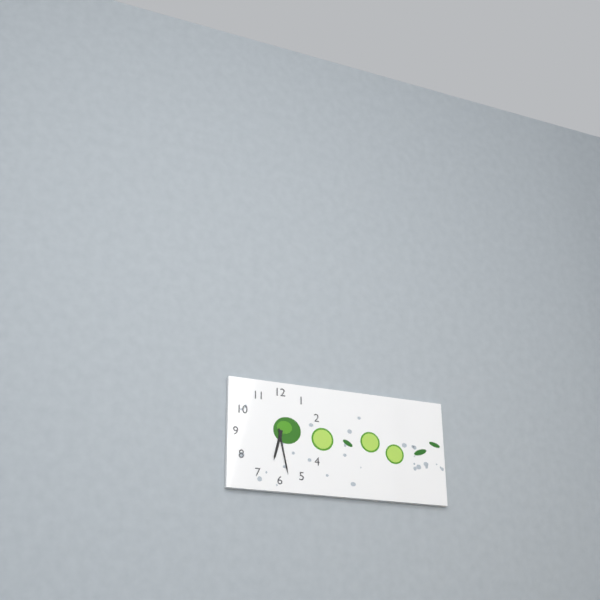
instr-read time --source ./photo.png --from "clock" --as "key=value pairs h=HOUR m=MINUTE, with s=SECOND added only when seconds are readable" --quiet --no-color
h=6 m=28
